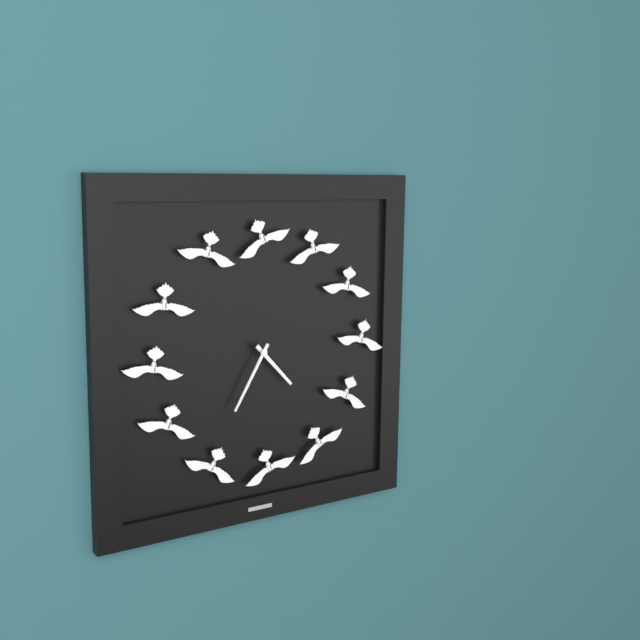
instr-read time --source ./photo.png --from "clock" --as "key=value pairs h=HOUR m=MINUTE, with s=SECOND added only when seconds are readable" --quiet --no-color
h=4 m=35
